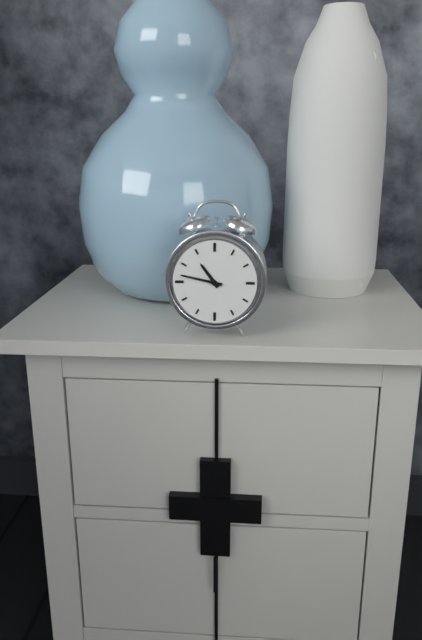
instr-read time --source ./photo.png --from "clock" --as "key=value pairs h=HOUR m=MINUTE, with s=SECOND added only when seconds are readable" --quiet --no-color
h=10 m=47
